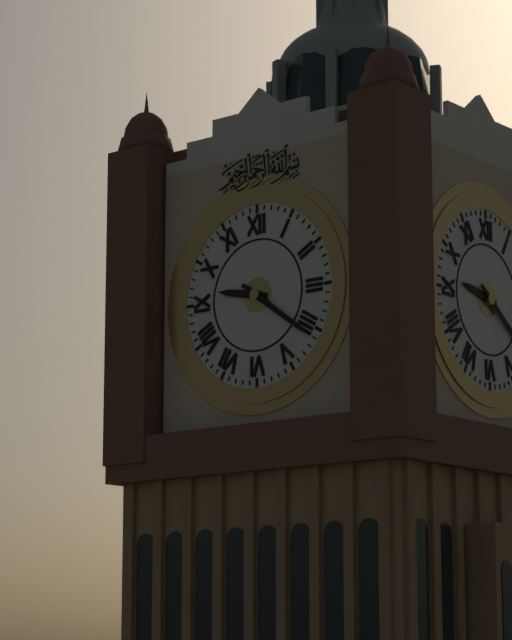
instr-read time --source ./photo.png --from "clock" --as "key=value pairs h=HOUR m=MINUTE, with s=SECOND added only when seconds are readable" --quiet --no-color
h=9 m=21
